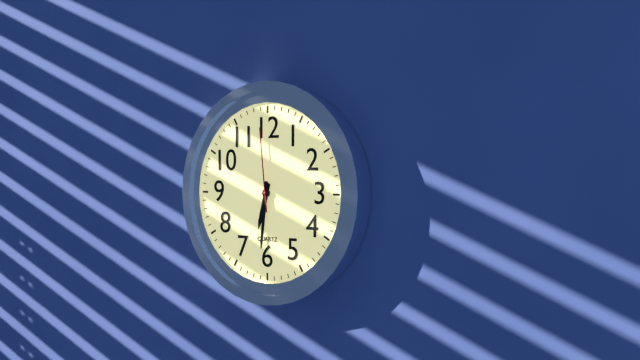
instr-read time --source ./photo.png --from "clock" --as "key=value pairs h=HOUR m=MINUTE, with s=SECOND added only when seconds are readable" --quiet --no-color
h=6 m=31 s=59
